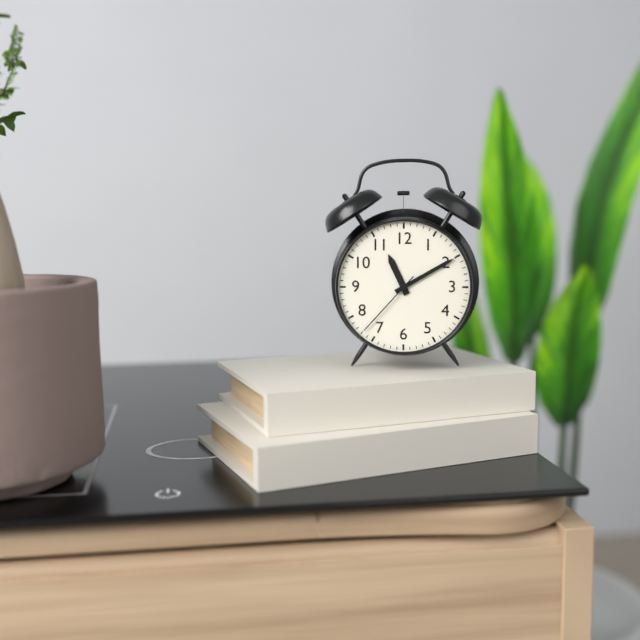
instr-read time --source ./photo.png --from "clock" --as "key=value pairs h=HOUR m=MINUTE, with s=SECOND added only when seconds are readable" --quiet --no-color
h=11 m=10 s=37
